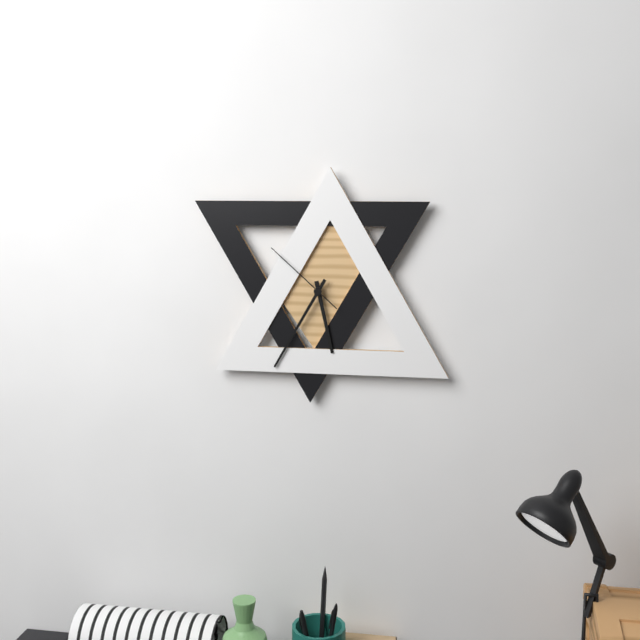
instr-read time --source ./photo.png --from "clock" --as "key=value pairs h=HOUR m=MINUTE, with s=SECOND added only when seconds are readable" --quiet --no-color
h=5 m=35 s=52
